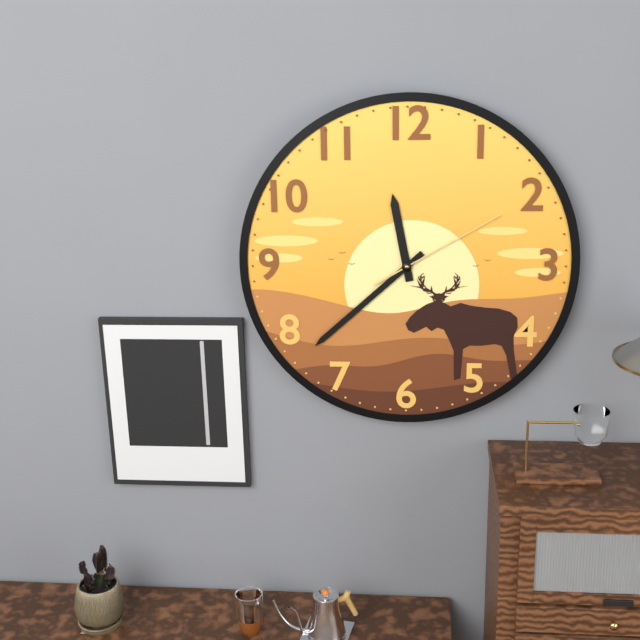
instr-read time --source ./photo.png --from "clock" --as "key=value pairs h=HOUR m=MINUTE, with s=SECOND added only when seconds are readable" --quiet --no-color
h=11 m=38 s=10
